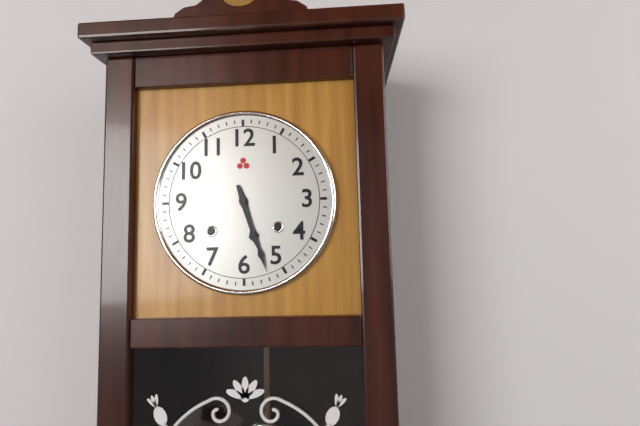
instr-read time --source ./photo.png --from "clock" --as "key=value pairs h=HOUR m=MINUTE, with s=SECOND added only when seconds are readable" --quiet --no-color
h=5 m=27
